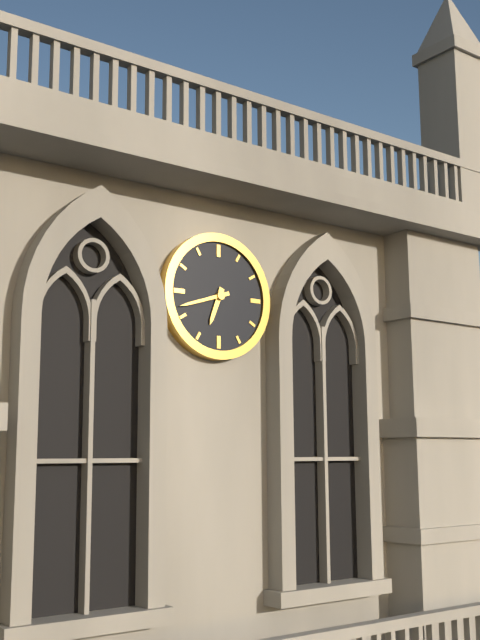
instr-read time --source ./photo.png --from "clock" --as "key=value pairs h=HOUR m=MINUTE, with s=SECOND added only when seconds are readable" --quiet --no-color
h=6 m=42
